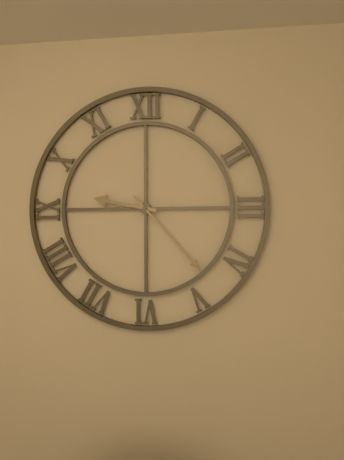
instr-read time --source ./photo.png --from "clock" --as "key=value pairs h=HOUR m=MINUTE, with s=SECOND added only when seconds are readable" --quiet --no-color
h=9 m=23
